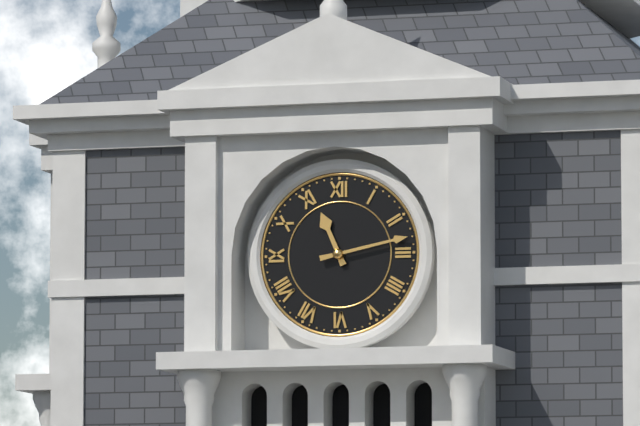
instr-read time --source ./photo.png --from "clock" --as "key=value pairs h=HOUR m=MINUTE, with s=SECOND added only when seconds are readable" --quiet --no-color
h=11 m=13
